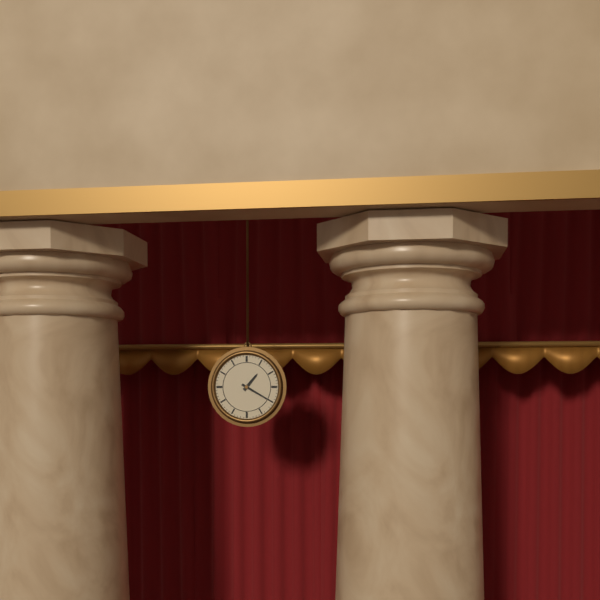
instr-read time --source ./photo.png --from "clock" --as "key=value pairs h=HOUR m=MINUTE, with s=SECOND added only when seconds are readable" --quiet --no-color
h=1 m=20
